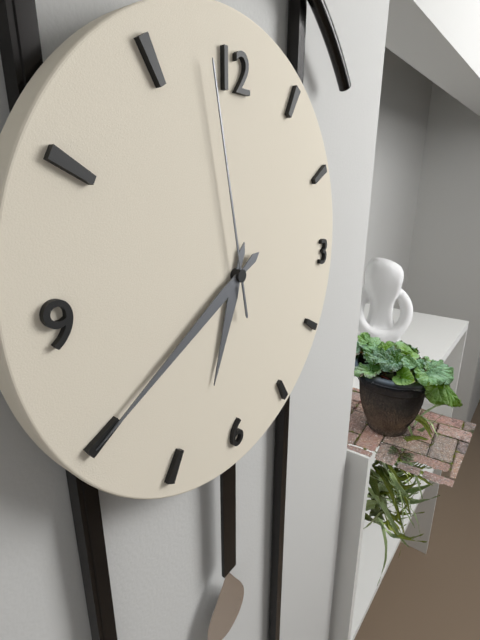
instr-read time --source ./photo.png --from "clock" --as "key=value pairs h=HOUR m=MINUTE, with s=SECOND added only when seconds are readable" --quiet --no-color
h=6 m=40 s=58
